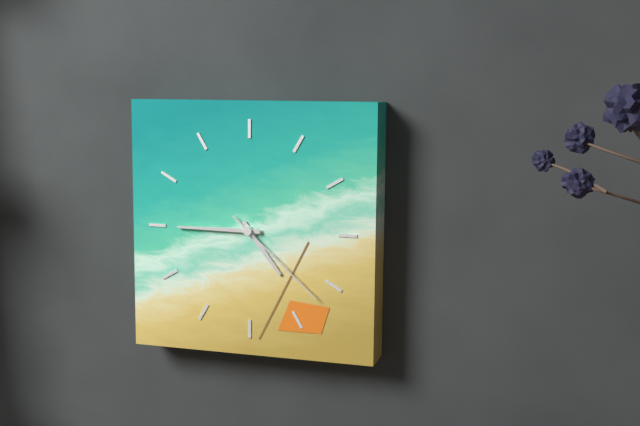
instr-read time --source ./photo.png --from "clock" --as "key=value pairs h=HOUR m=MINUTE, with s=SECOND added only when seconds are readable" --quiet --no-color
h=4 m=45 s=22
